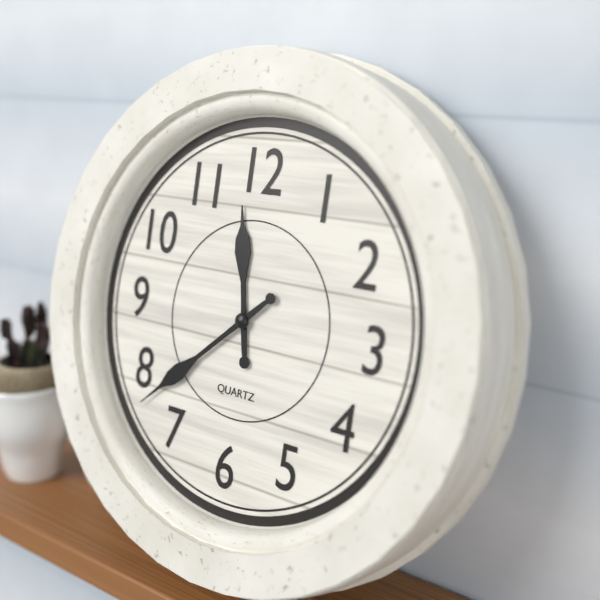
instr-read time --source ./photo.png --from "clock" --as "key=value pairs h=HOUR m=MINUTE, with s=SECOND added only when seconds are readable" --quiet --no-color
h=11 m=38
